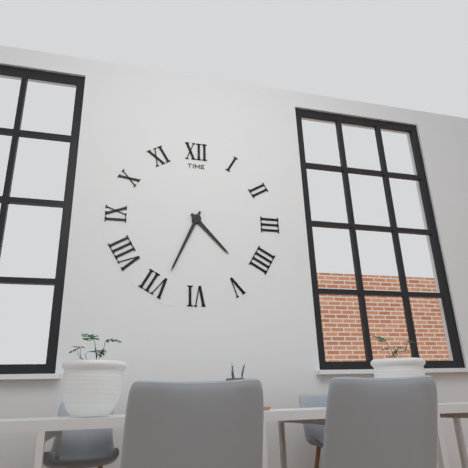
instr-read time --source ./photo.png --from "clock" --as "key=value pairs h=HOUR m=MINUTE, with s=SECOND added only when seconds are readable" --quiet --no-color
h=4 m=34
